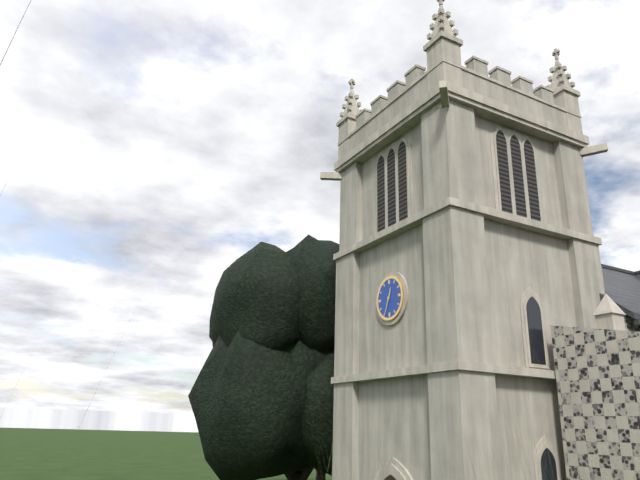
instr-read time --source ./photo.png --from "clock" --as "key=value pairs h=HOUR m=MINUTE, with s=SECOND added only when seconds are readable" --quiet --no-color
h=12 m=34
